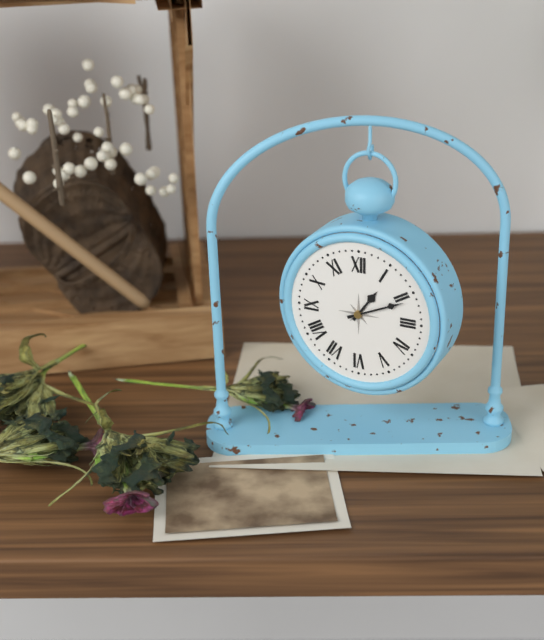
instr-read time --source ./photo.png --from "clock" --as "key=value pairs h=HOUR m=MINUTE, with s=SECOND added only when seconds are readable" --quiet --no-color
h=1 m=11
